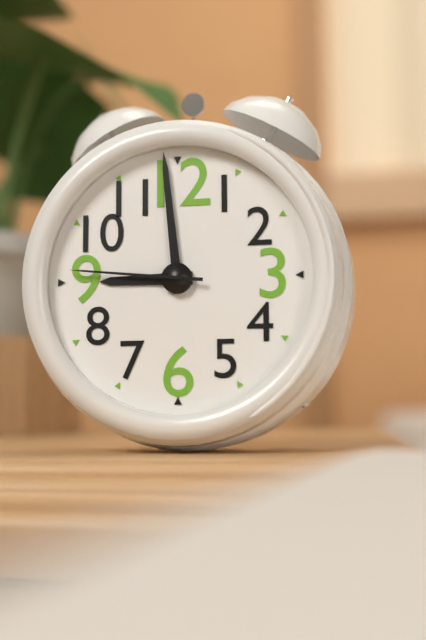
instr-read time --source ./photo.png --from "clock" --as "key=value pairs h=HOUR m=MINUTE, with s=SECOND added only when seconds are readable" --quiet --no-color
h=8 m=59 s=46
